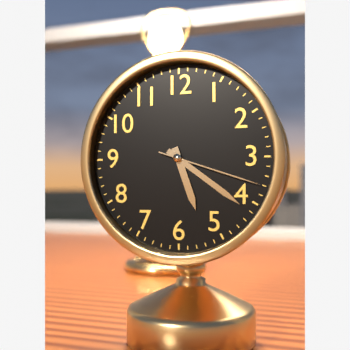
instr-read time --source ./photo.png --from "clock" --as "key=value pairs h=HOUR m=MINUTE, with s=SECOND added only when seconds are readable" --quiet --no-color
h=5 m=21 s=18
